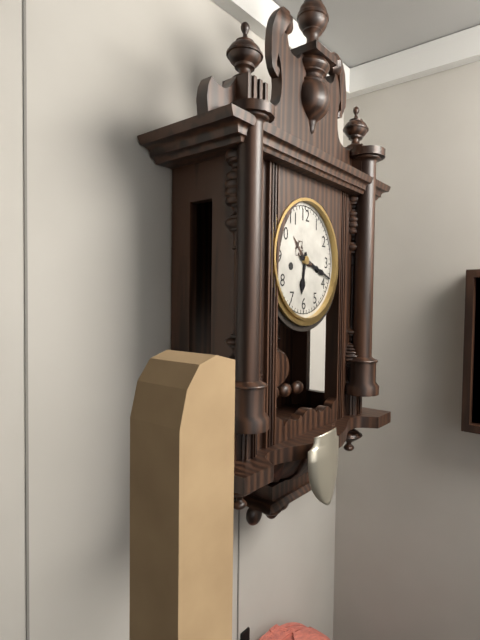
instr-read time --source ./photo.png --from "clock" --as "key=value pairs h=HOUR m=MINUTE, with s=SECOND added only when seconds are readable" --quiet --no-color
h=6 m=18
